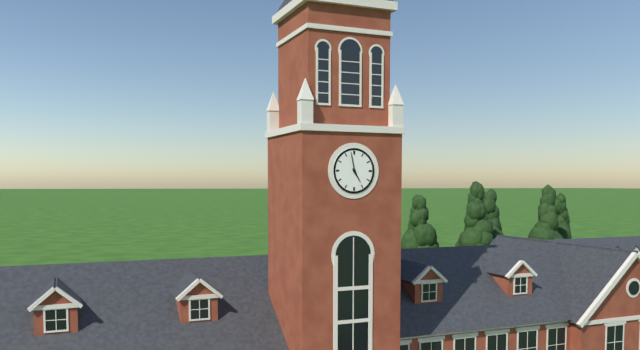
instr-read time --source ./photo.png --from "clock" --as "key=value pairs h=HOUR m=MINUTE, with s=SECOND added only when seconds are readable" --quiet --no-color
h=4 m=58
